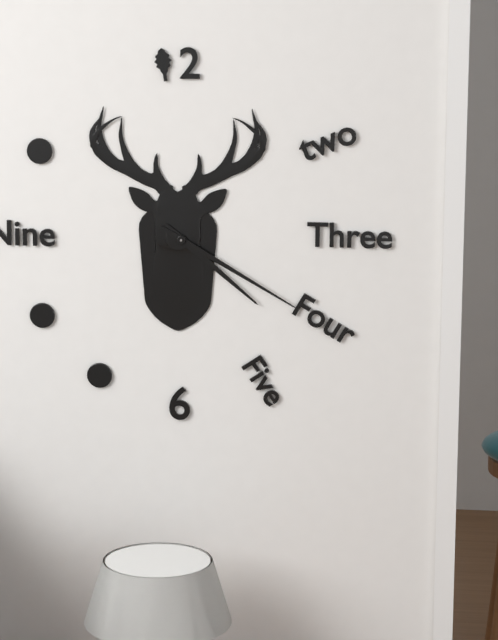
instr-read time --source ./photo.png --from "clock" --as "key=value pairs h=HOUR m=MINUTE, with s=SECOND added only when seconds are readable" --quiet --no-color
h=4 m=20
